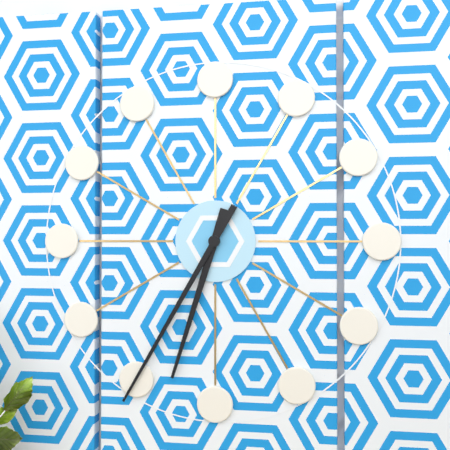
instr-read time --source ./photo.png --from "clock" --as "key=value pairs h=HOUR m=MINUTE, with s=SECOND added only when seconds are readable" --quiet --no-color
h=6 m=35
